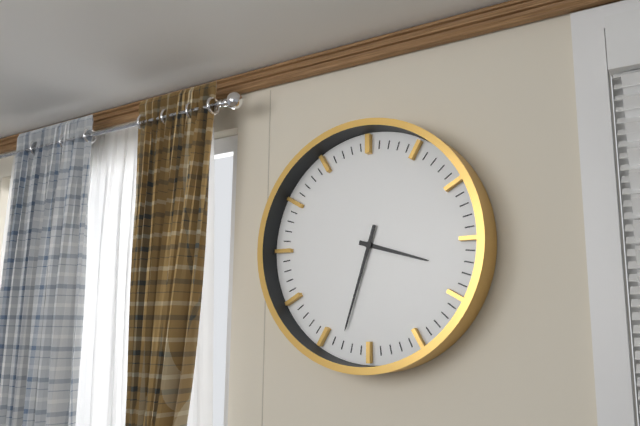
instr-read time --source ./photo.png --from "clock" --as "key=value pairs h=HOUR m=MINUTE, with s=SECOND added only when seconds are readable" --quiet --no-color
h=3 m=33
